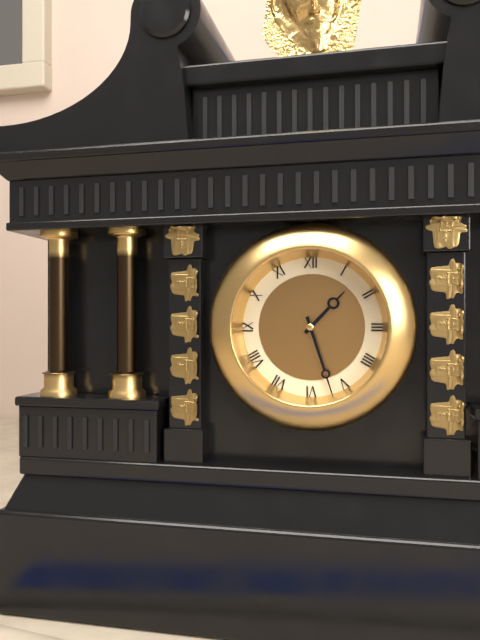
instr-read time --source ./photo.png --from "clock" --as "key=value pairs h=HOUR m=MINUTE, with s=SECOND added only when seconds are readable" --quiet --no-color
h=1 m=27
